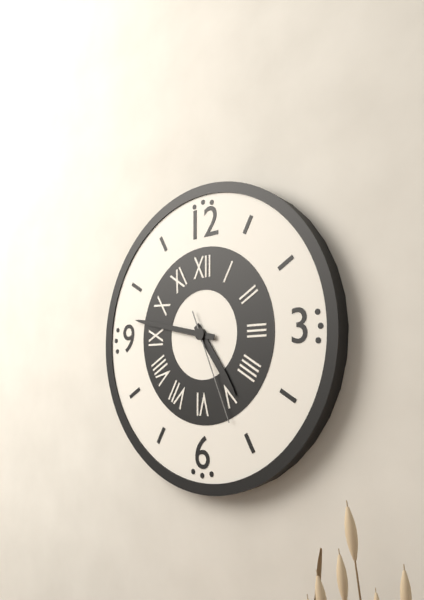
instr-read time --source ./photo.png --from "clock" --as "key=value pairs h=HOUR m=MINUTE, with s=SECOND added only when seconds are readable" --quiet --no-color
h=4 m=47 s=26
